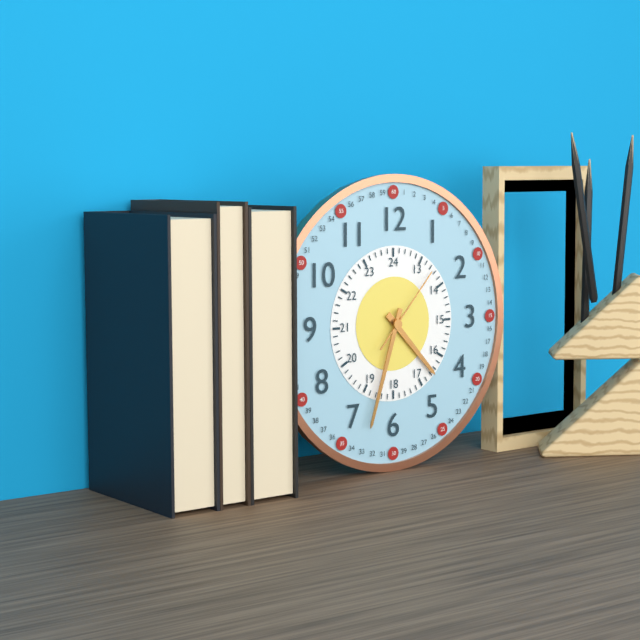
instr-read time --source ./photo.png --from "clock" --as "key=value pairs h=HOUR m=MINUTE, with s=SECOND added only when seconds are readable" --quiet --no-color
h=4 m=33 s=7
